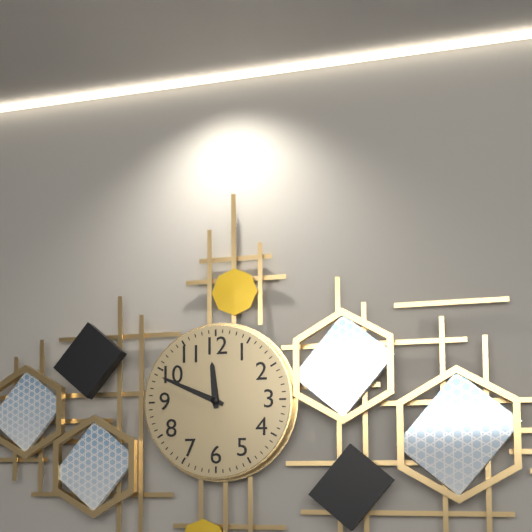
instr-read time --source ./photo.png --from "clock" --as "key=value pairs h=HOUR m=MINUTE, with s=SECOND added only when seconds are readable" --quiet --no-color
h=11 m=49
